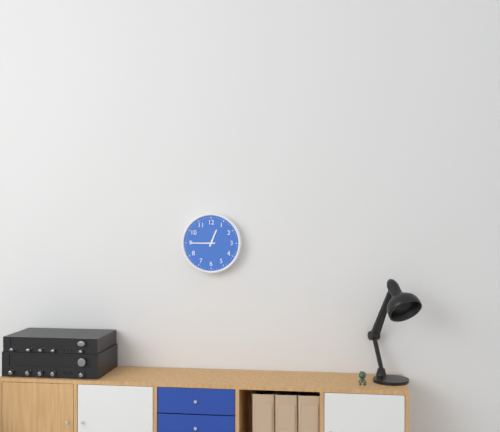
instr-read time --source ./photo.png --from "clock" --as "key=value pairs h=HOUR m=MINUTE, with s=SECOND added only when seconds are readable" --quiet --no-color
h=12 m=45
